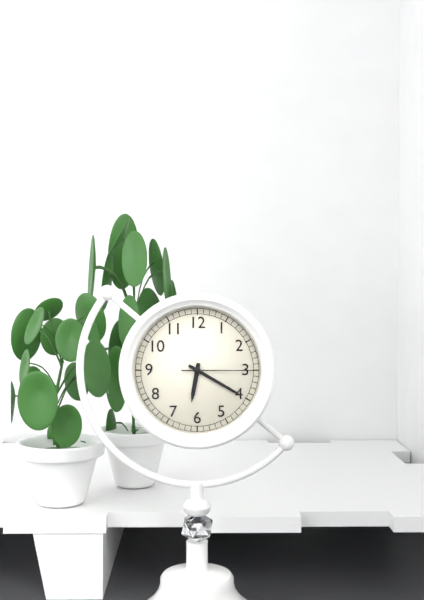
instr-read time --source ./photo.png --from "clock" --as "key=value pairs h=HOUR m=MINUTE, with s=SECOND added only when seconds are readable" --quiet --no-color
h=6 m=20 s=15
